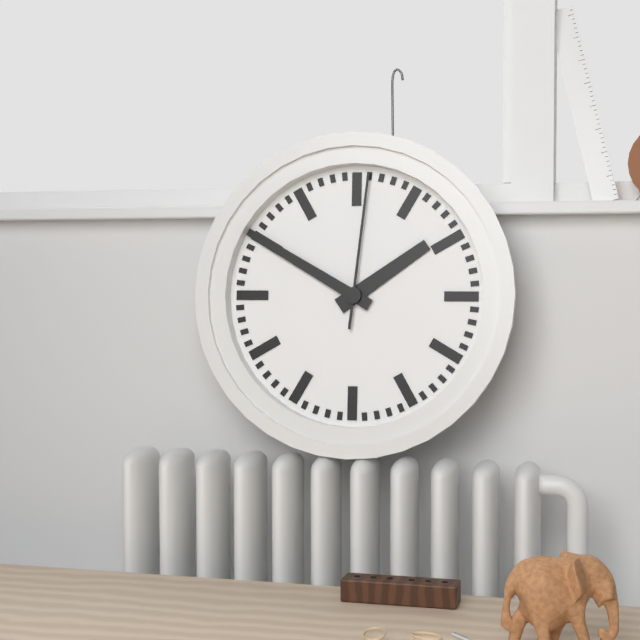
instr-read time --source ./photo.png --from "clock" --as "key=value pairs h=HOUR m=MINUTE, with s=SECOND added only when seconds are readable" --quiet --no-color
h=1 m=50 s=1
